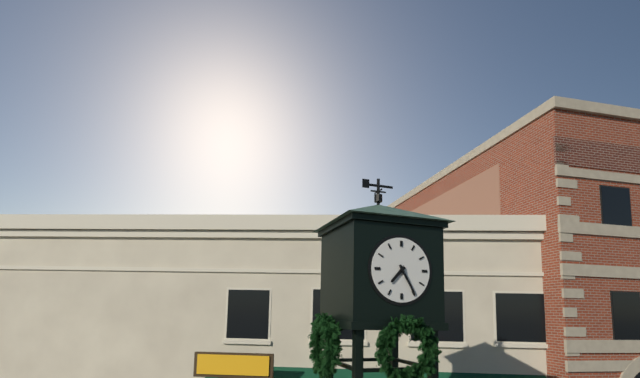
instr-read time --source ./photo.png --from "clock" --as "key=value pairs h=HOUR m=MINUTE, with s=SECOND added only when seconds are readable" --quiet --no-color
h=7 m=25
